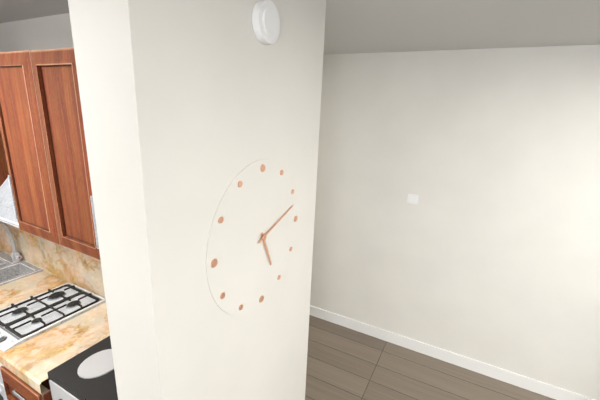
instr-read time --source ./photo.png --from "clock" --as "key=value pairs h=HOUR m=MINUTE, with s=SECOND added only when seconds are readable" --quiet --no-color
h=5 m=12
